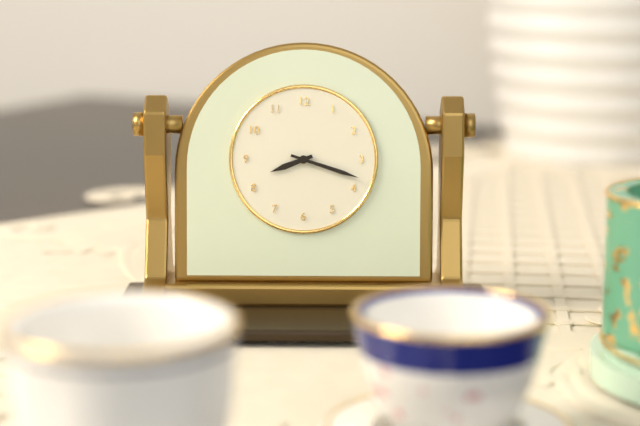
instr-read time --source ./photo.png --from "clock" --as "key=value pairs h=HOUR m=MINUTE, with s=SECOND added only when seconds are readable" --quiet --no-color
h=8 m=18
